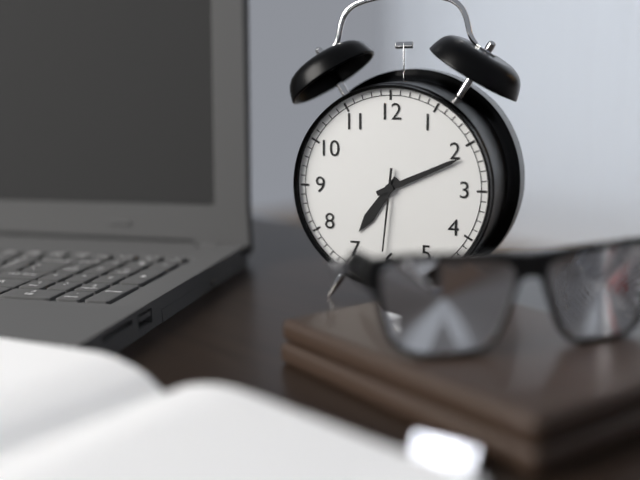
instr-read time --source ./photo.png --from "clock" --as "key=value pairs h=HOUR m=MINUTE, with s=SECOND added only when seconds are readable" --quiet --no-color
h=7 m=11 s=31
